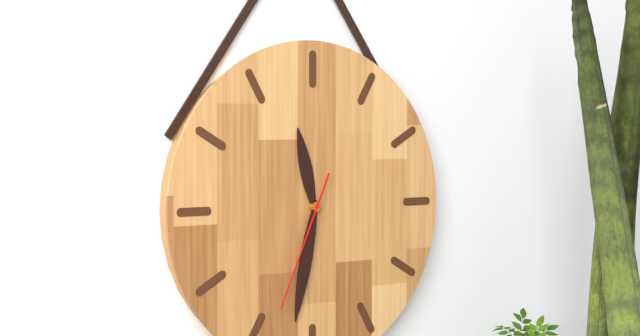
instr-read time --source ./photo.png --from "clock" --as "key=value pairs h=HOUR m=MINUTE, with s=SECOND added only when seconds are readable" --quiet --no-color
h=11 m=32 s=34
